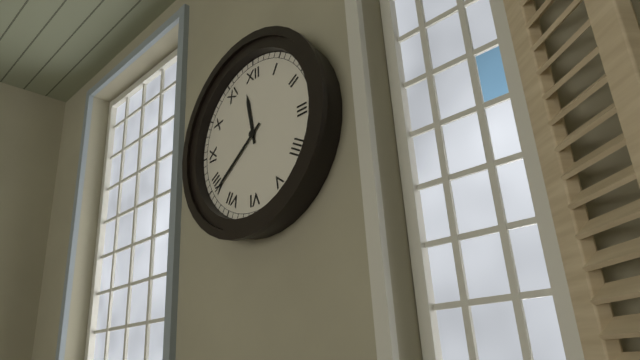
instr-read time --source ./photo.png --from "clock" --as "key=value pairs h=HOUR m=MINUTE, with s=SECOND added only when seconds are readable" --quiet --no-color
h=11 m=39
